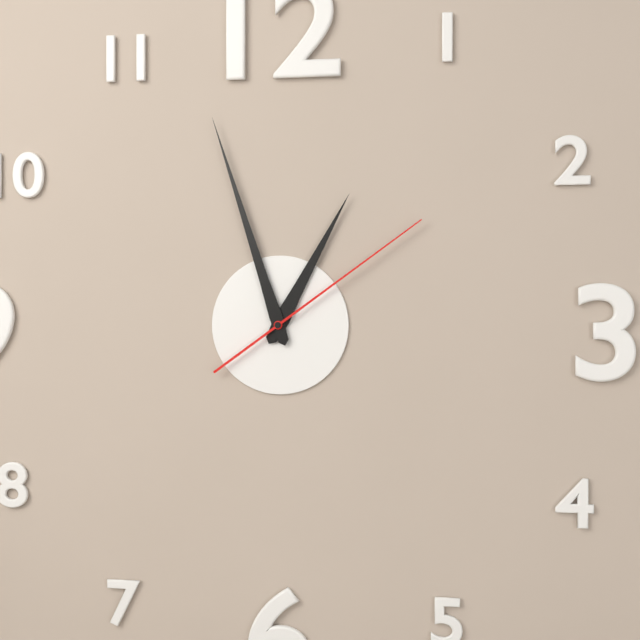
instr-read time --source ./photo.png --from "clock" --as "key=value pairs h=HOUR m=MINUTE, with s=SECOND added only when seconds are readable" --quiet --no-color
h=12 m=57 s=9
